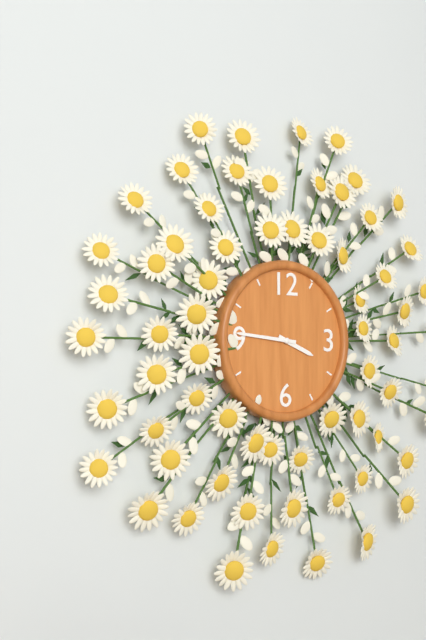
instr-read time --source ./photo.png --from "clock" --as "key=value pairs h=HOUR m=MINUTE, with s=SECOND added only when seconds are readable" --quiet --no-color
h=3 m=46
